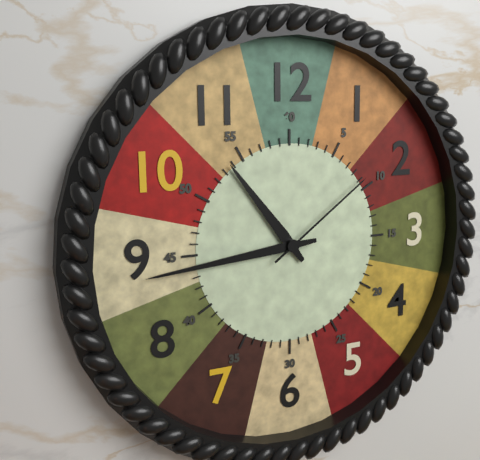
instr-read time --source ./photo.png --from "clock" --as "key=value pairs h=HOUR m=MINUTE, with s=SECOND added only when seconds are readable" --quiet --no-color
h=10 m=44 s=9
